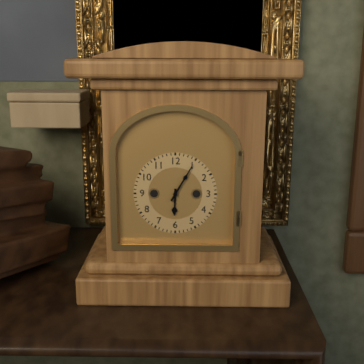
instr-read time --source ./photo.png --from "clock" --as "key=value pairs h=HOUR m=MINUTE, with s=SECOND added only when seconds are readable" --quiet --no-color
h=6 m=5
